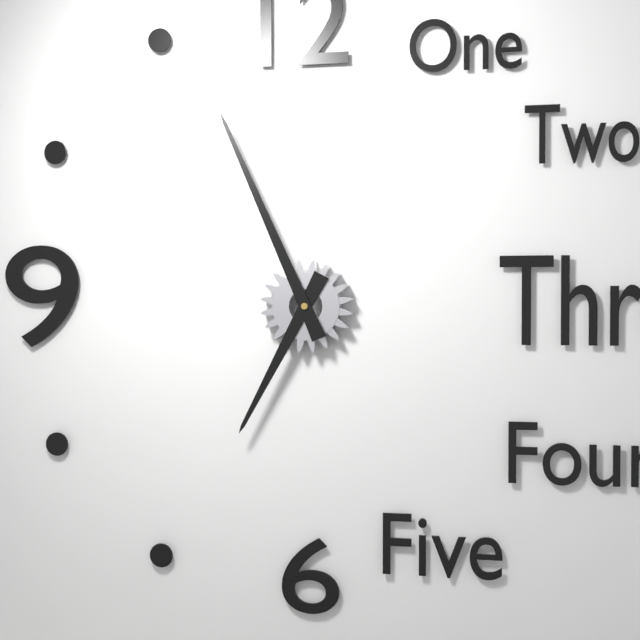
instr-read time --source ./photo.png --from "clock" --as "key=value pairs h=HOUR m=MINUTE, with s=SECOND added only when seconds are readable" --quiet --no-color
h=6 m=56
